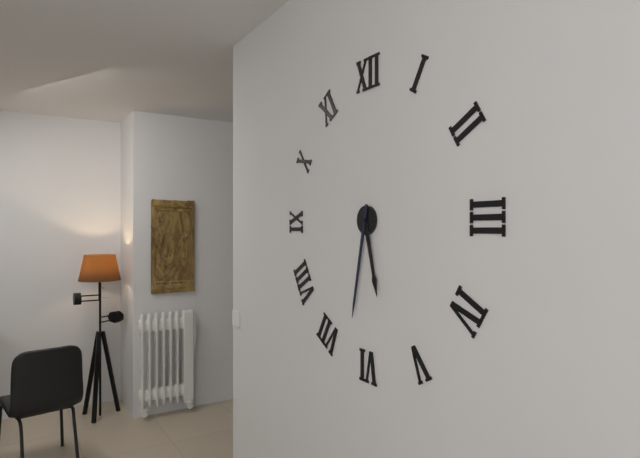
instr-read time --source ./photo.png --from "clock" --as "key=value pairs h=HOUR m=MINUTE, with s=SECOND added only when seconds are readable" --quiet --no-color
h=5 m=32
